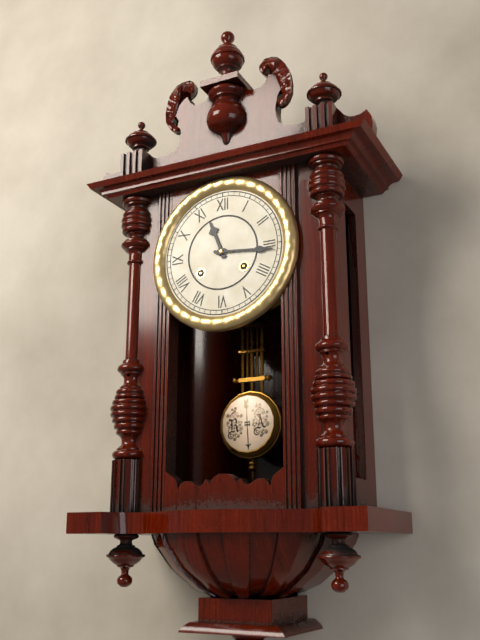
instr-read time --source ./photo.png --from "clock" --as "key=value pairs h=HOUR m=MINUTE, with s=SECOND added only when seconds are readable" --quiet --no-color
h=11 m=16
